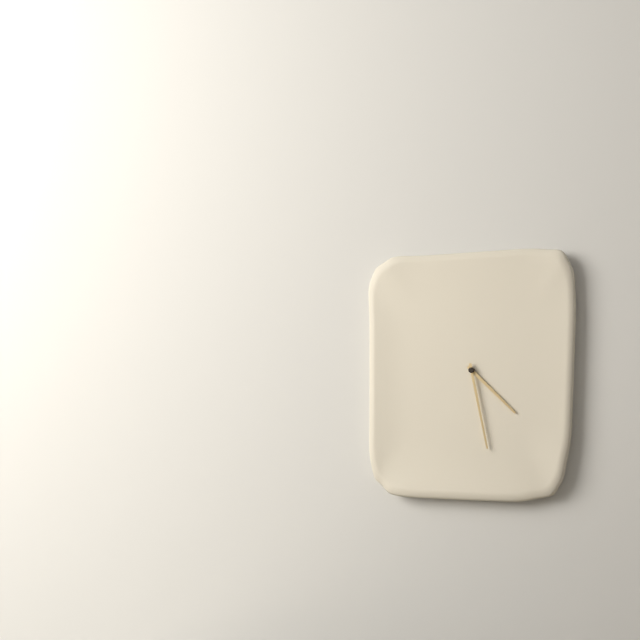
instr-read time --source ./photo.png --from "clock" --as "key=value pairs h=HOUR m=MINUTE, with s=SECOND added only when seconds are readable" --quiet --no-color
h=4 m=28
